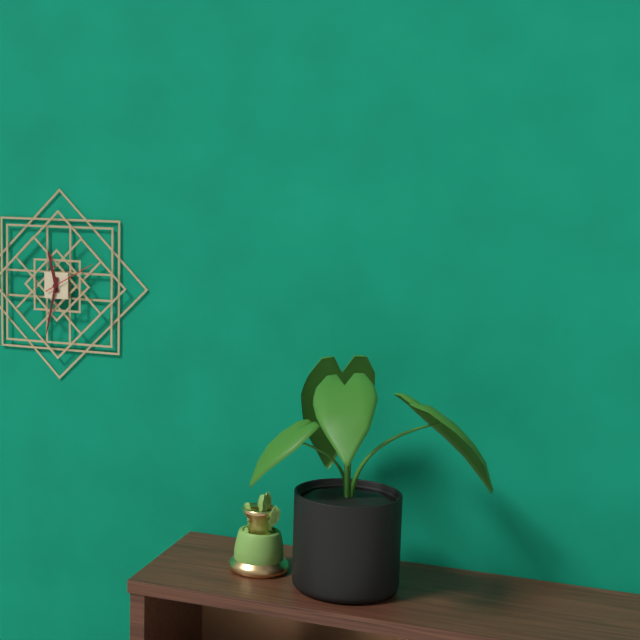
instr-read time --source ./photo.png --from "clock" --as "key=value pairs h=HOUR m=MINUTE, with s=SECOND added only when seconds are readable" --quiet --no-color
h=11 m=32 s=10
